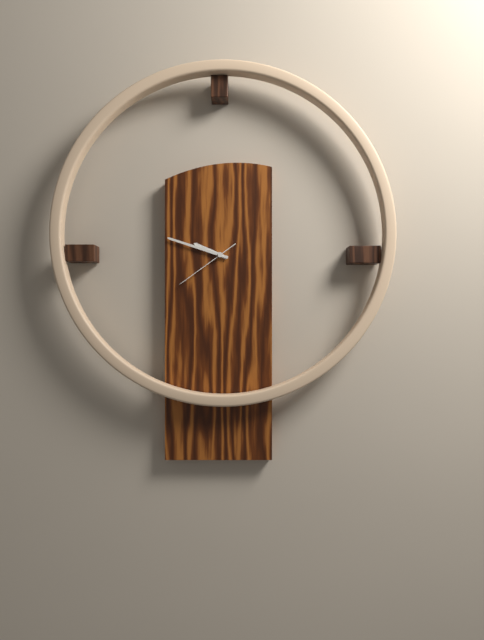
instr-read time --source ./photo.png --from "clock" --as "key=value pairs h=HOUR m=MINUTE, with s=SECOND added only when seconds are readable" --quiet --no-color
h=9 m=48 s=39
